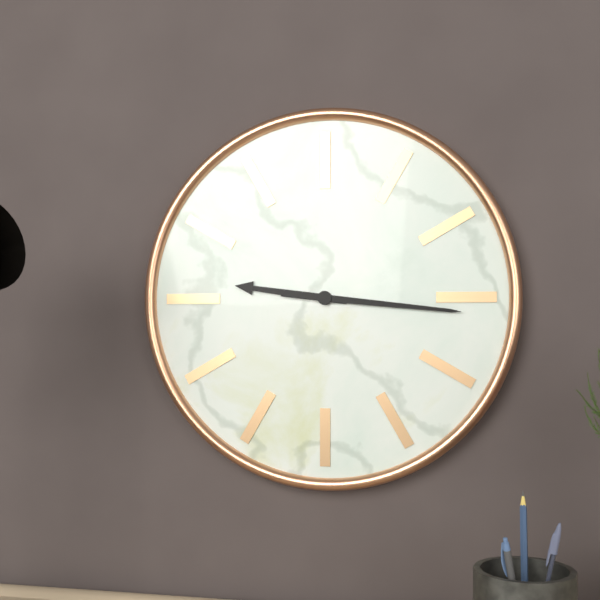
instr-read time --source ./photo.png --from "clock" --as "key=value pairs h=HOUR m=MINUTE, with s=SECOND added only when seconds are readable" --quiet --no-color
h=9 m=16
